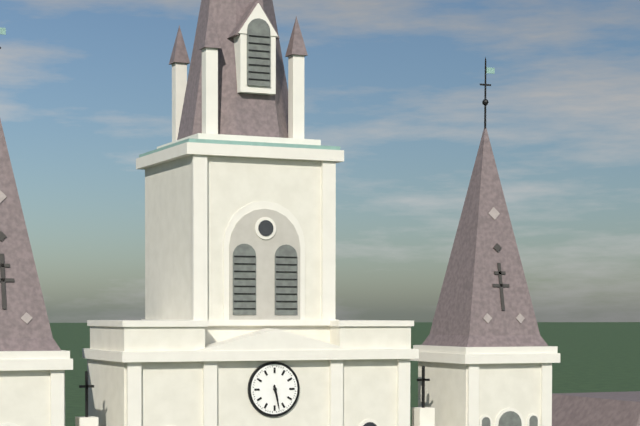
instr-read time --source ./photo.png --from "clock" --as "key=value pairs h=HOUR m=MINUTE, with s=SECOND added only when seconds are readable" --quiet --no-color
h=5 m=28
